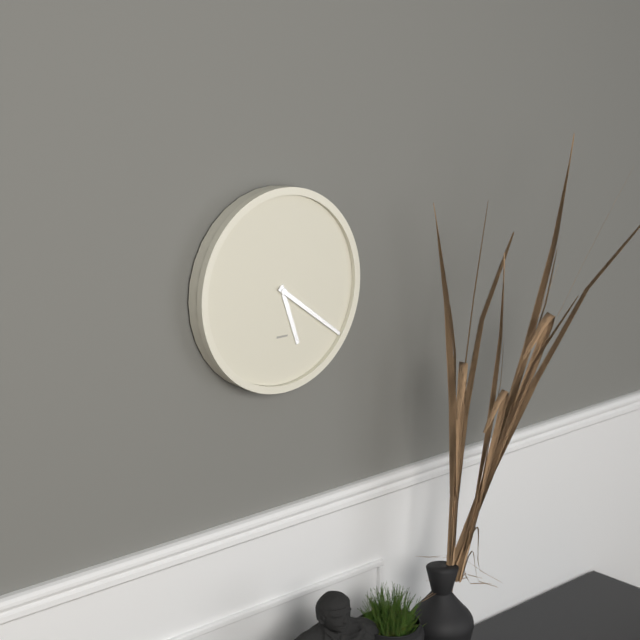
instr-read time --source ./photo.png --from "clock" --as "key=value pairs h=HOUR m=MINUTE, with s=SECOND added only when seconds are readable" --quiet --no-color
h=5 m=21
